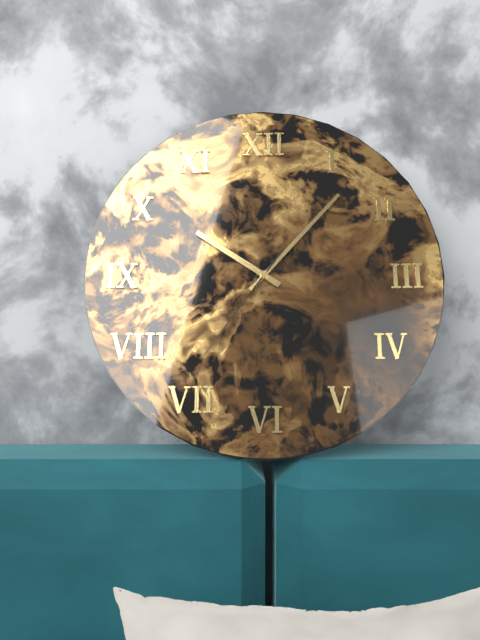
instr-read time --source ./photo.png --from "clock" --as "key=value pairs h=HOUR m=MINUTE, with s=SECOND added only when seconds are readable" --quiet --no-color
h=10 m=7 s=36
